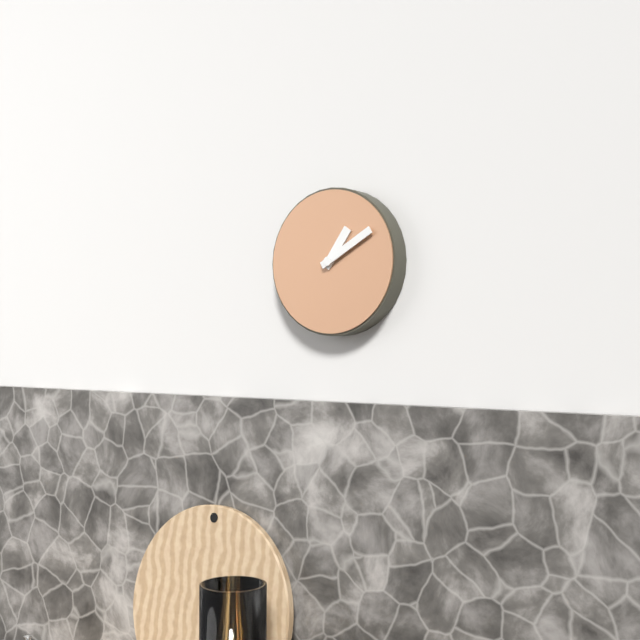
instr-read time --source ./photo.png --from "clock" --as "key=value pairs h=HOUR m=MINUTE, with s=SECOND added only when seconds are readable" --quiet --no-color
h=1 m=10
